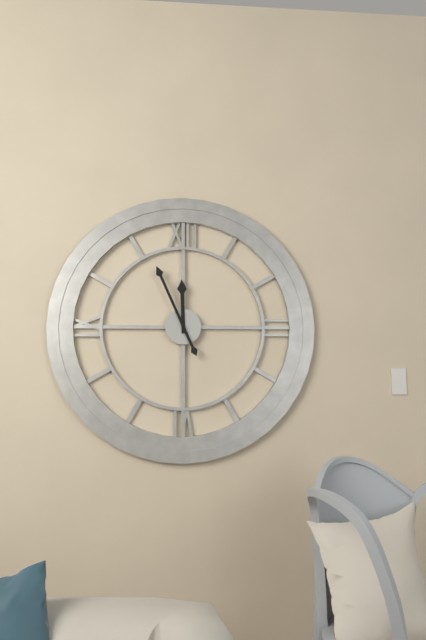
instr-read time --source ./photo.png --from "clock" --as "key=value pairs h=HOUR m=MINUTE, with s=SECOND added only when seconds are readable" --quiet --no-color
h=11 m=56
